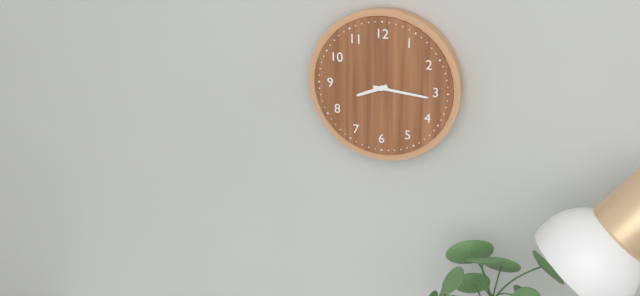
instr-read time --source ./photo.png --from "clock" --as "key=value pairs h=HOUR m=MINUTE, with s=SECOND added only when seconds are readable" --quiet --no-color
h=8 m=16
